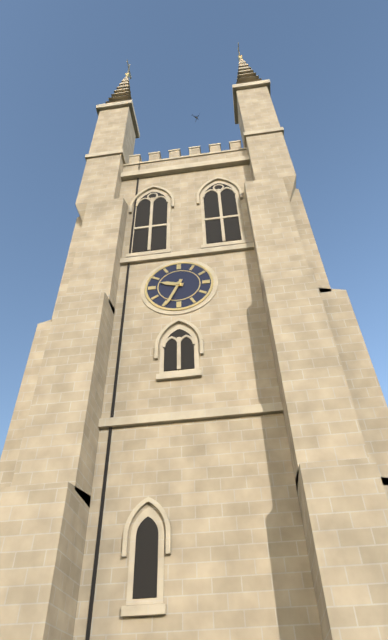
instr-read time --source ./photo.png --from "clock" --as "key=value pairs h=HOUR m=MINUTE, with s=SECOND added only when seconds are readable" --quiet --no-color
h=9 m=34
